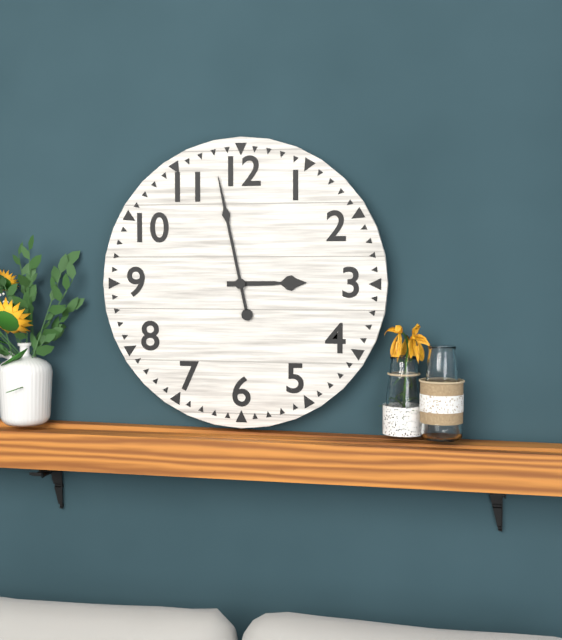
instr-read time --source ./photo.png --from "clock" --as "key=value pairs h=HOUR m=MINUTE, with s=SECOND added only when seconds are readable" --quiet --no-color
h=2 m=58
